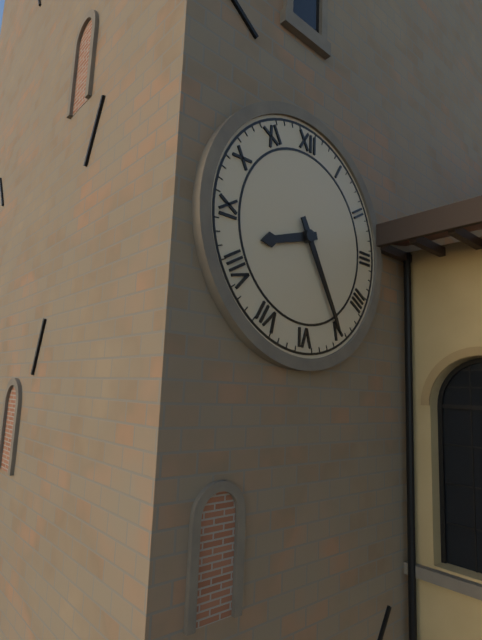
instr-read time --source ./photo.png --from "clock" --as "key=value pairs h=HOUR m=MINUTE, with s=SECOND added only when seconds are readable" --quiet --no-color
h=8 m=25
